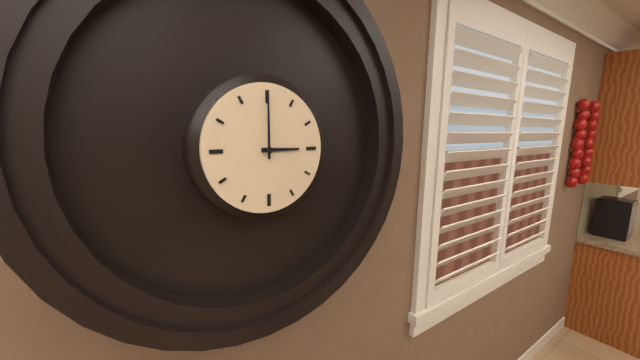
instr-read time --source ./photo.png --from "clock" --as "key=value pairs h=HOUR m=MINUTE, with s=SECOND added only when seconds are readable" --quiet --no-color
h=3 m=0
